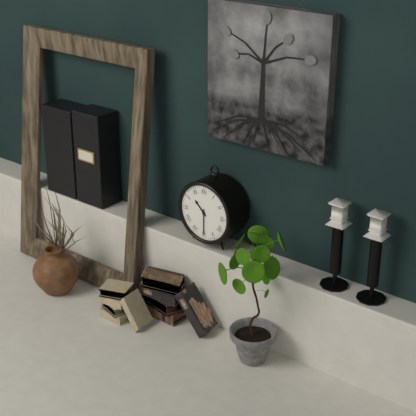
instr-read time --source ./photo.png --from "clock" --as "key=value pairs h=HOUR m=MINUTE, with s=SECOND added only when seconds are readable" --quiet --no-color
h=10 m=30
